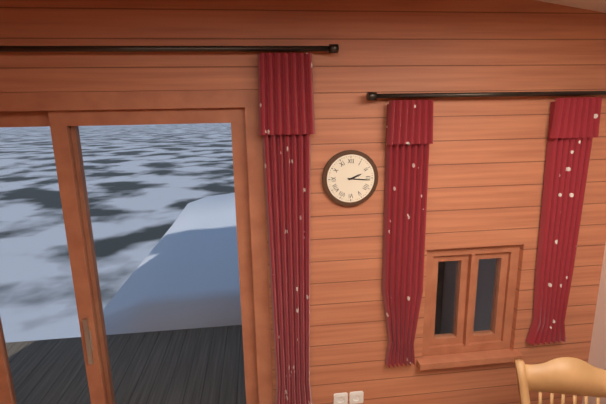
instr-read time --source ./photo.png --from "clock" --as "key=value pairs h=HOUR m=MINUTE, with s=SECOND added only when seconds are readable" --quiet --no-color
h=2 m=16
